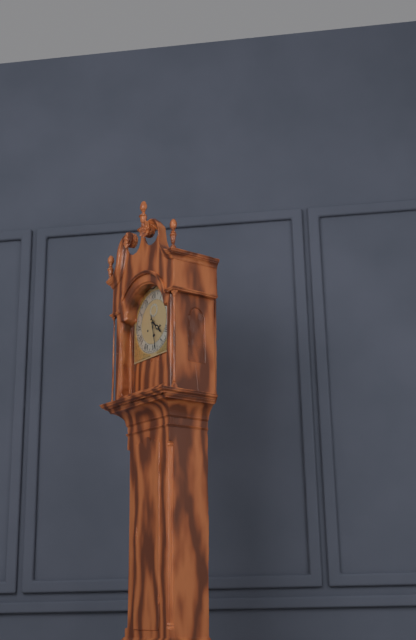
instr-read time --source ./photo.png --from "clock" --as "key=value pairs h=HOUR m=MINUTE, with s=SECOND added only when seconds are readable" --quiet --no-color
h=4 m=28
